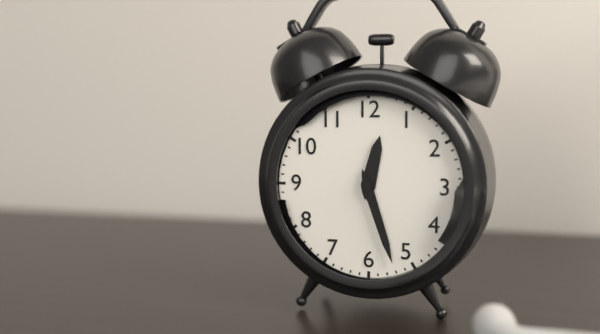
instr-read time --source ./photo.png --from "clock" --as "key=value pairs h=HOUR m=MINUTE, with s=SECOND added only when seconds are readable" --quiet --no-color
h=12 m=27
